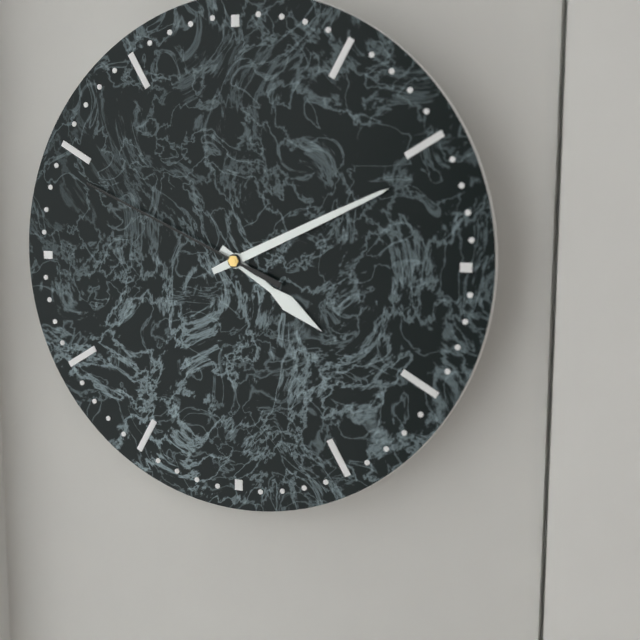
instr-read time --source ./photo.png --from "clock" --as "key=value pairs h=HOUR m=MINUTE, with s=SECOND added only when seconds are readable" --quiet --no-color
h=4 m=11 s=49
